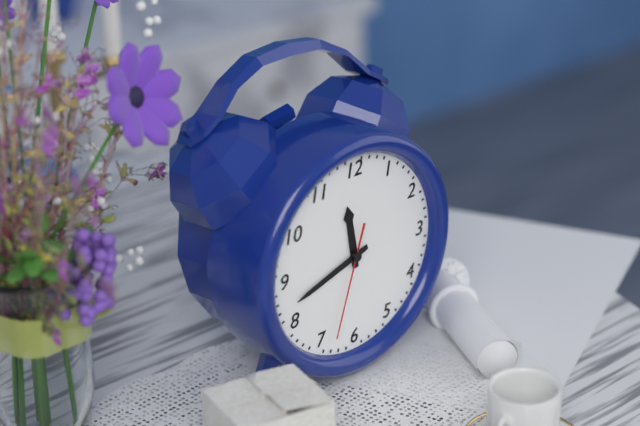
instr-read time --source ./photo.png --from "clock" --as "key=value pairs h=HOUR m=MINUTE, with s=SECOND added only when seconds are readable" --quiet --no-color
h=11 m=42 s=33
